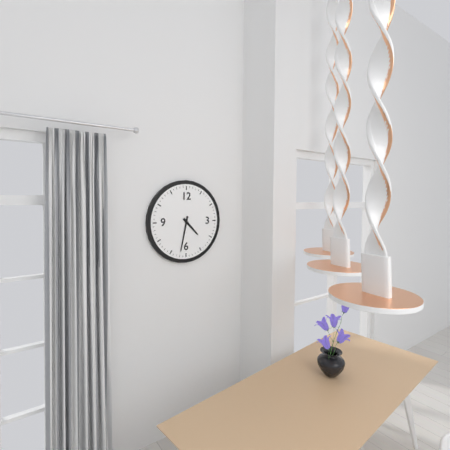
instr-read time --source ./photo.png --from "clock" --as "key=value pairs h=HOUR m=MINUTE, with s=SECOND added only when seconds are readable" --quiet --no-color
h=4 m=32
